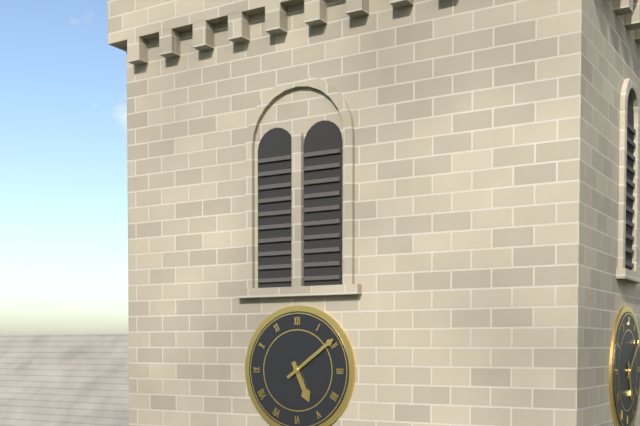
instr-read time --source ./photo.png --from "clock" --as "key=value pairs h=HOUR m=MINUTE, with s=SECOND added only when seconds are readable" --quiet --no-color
h=5 m=9
